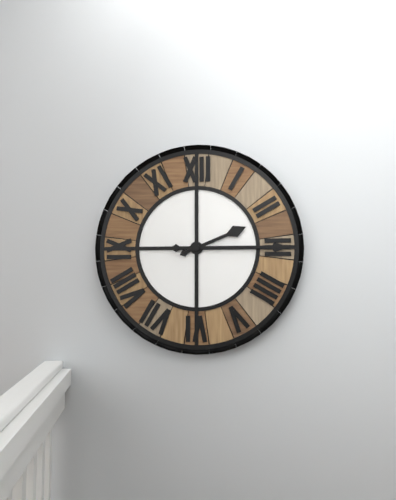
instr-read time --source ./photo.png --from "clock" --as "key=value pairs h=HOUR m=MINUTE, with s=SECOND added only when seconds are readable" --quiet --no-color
h=2 m=15
